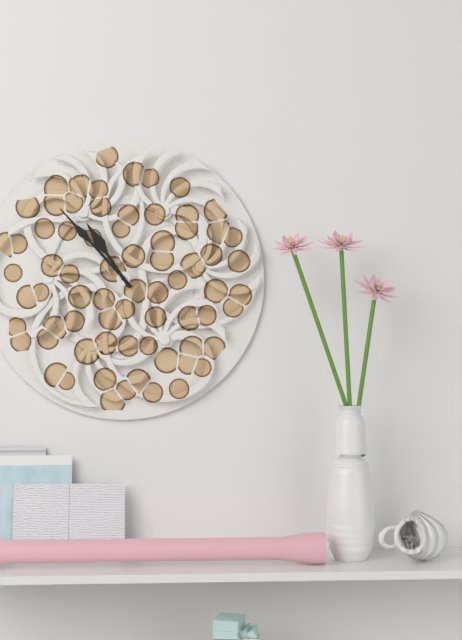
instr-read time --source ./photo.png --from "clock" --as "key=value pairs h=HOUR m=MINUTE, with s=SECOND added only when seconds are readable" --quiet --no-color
h=10 m=53
